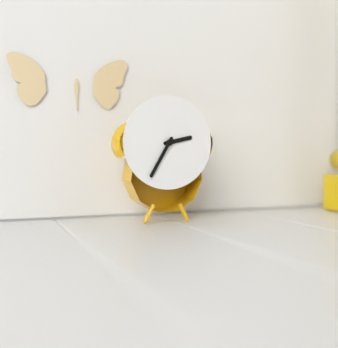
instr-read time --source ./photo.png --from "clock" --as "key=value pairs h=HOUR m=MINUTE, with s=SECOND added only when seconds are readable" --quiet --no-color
h=2 m=35
